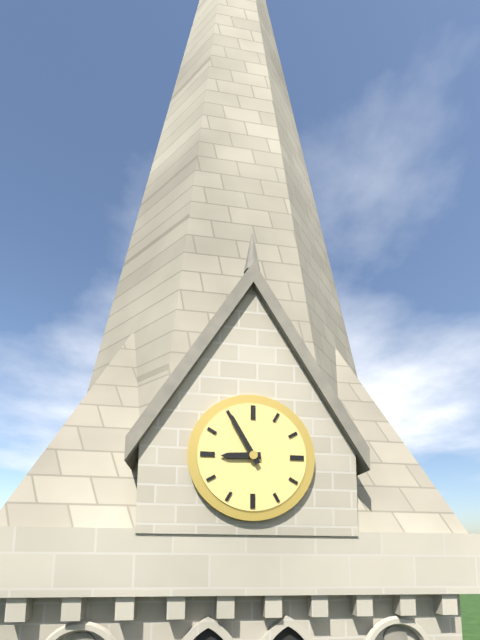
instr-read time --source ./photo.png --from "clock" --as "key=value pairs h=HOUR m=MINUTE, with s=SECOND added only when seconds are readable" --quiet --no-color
h=8 m=55
